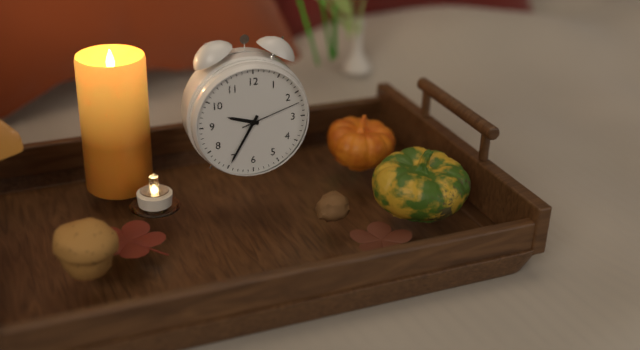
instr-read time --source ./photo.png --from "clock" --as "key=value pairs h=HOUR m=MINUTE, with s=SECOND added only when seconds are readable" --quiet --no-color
h=9 m=35 s=12
